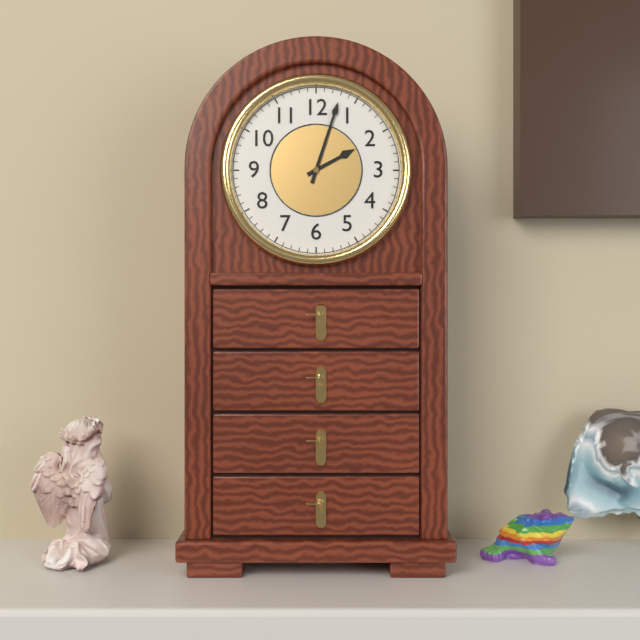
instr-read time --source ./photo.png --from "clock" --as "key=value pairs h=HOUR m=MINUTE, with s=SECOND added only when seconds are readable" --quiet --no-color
h=2 m=3
